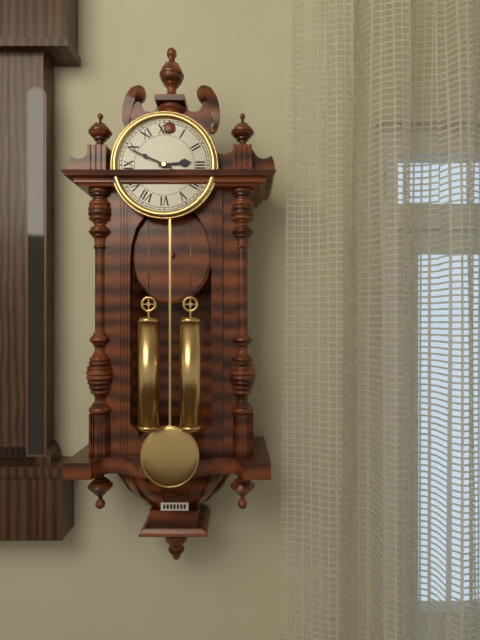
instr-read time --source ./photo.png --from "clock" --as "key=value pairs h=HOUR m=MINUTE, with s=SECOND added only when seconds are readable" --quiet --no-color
h=2 m=49
